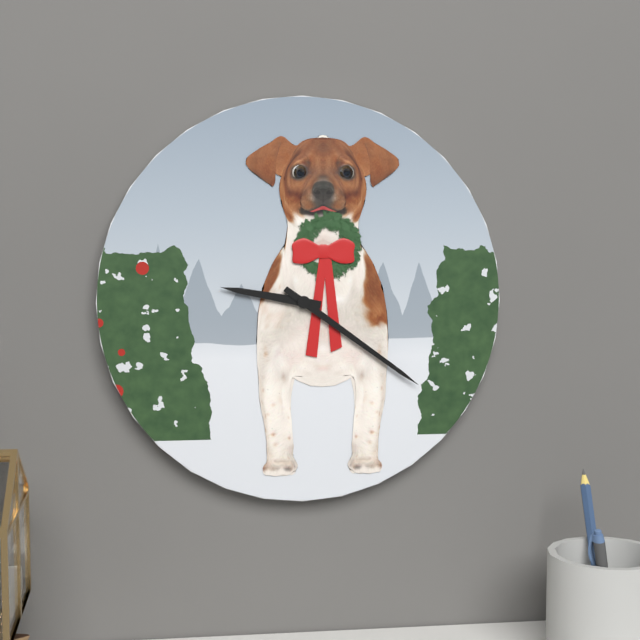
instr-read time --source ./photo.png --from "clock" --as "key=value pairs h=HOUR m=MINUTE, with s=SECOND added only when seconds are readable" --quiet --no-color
h=9 m=21
